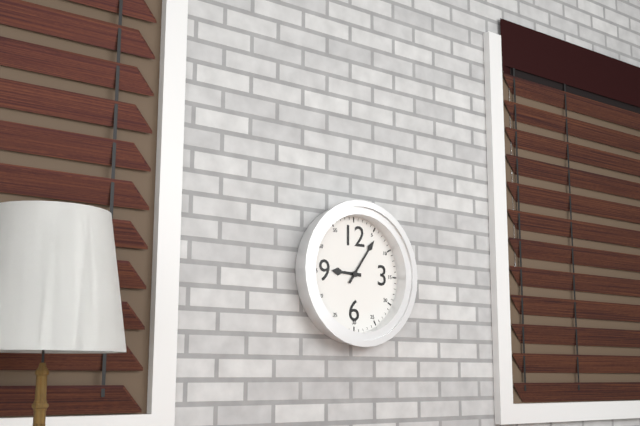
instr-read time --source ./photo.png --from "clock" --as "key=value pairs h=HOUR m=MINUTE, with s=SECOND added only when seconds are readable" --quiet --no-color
h=9 m=6
